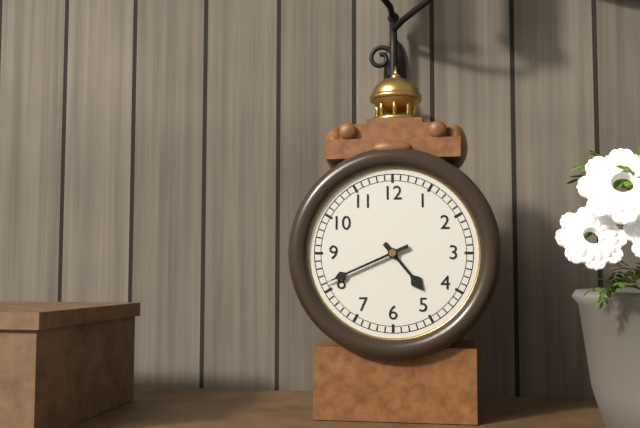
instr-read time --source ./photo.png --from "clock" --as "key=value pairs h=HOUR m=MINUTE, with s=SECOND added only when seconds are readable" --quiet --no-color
h=4 m=41
